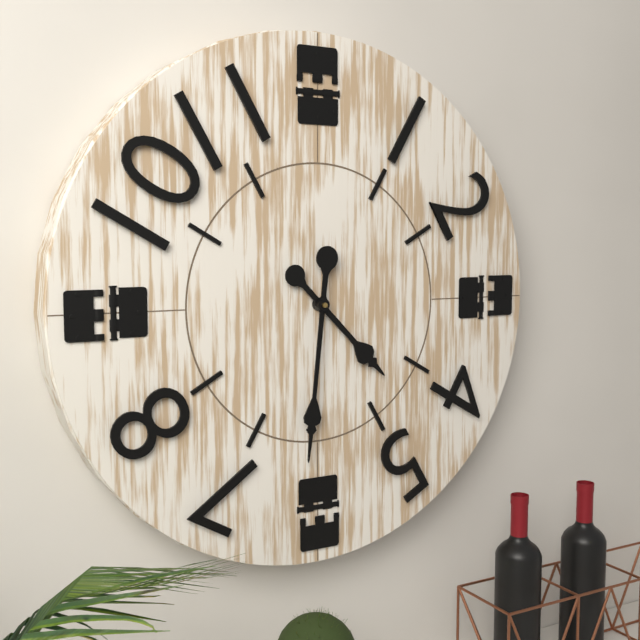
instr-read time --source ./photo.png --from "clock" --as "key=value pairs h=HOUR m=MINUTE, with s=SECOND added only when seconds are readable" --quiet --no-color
h=4 m=31
